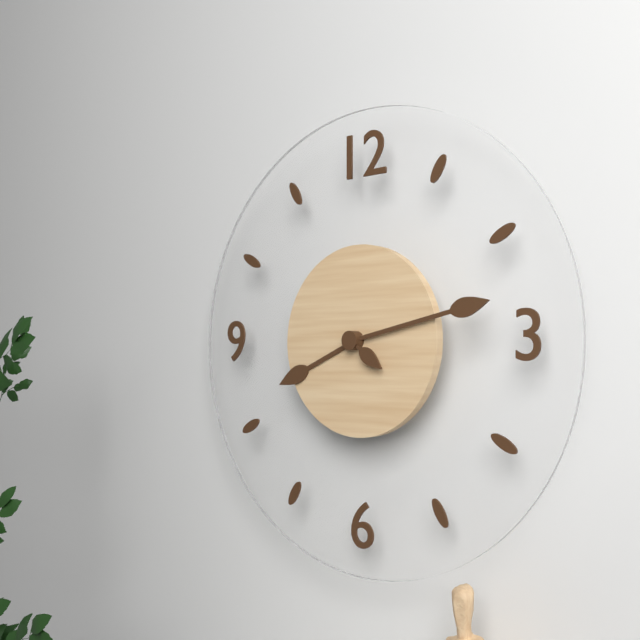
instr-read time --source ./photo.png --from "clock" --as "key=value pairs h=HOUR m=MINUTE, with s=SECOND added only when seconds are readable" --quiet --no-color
h=8 m=13
